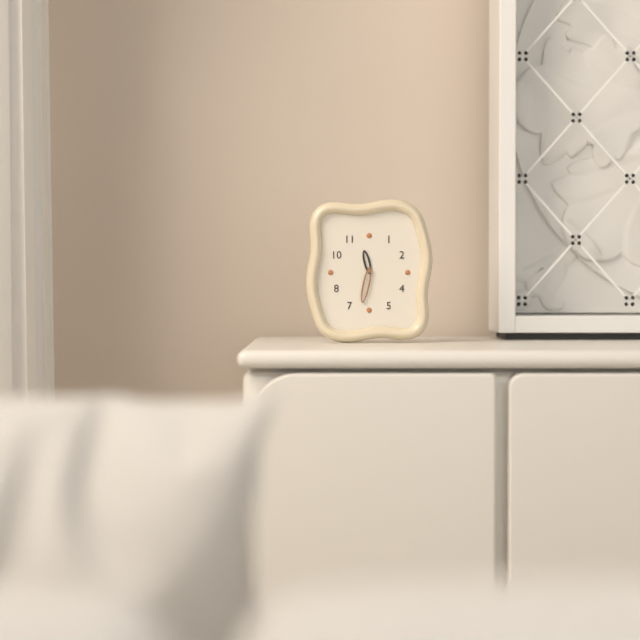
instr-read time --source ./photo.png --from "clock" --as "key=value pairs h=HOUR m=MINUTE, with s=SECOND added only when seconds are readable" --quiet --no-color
h=11 m=32
